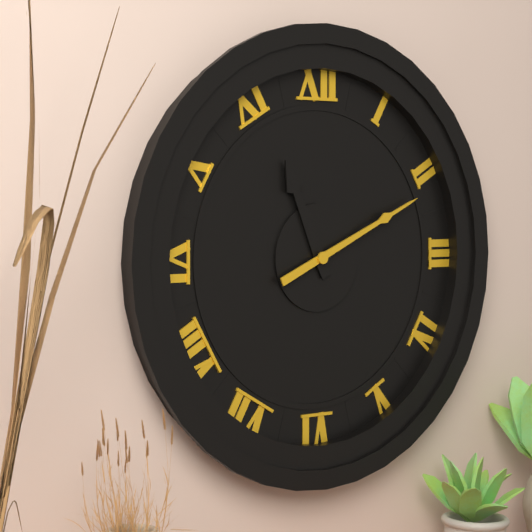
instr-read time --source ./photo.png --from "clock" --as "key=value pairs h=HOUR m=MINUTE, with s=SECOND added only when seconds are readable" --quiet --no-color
h=11 m=11
